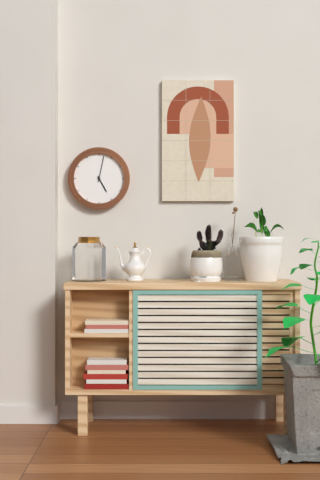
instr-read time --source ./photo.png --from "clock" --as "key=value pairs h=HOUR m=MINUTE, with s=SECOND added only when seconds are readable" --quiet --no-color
h=5 m=2
